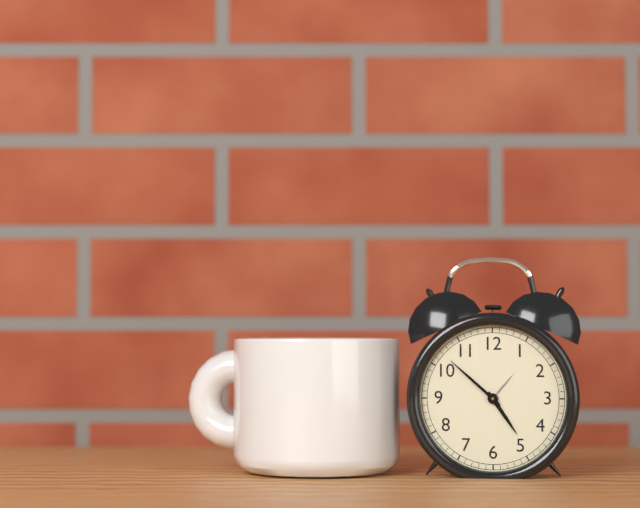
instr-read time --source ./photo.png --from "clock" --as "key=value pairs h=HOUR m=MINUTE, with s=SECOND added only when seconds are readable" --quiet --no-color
h=4 m=52
